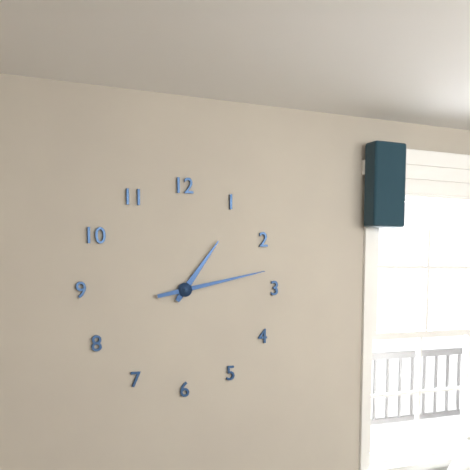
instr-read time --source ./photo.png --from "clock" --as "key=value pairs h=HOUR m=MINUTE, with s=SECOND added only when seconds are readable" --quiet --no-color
h=1 m=13
